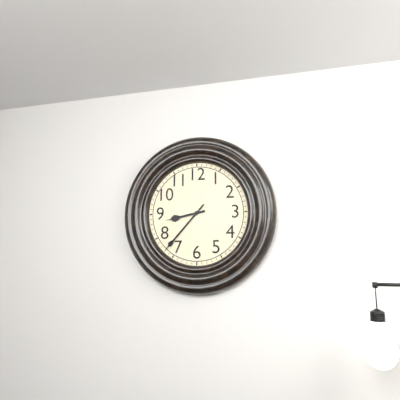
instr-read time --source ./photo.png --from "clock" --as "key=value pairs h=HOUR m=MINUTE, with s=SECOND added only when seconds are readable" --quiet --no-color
h=8 m=37
